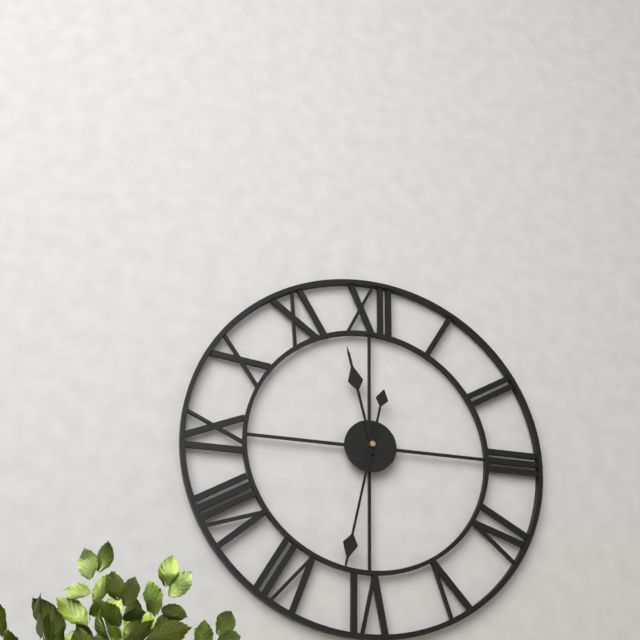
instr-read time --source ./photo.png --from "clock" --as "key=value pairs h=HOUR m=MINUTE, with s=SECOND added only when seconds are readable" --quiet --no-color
h=11 m=32
